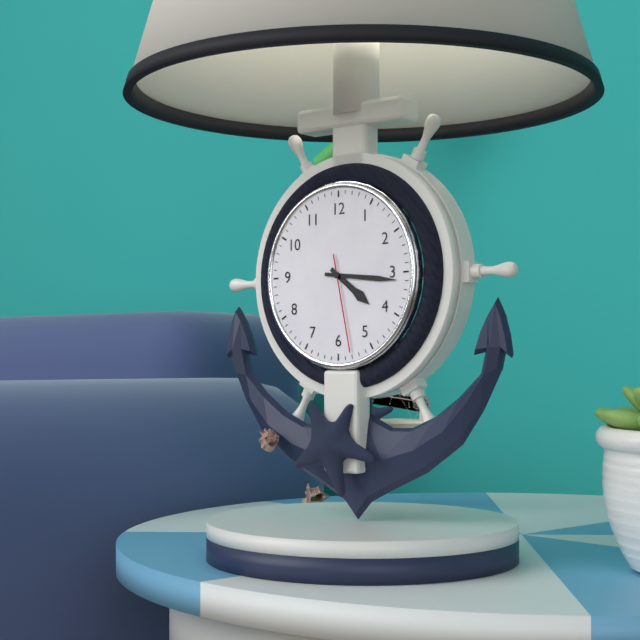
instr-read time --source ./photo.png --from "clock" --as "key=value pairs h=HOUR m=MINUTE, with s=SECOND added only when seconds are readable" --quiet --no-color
h=4 m=16 s=28
